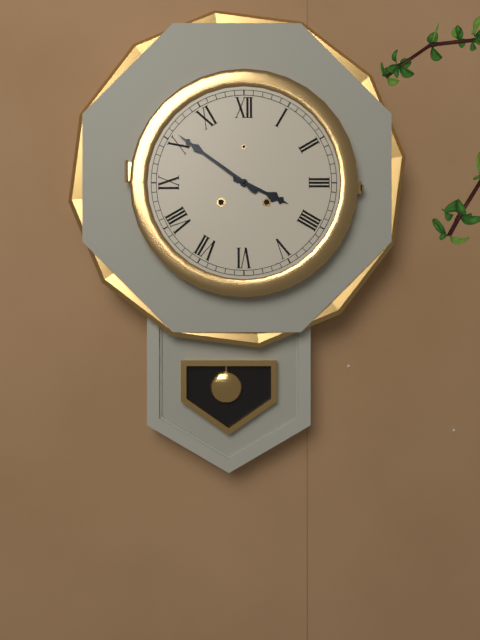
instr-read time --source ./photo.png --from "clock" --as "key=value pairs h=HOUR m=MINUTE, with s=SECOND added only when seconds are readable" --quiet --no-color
h=3 m=51
